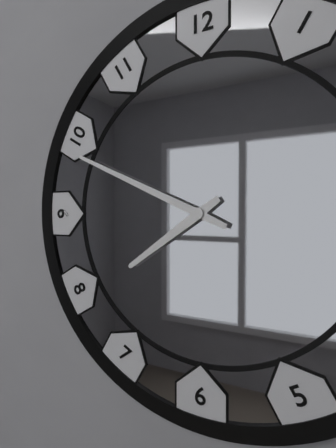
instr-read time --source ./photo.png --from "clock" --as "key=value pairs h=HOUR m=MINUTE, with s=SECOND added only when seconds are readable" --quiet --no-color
h=7 m=49
